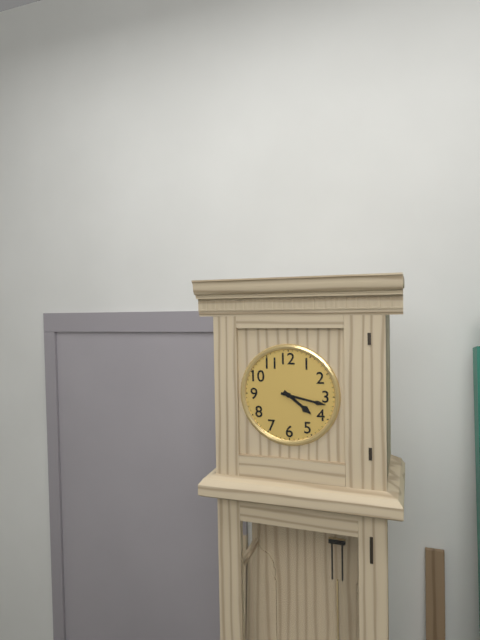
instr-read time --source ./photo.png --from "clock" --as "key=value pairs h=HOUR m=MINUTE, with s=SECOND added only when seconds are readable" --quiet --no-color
h=4 m=17
